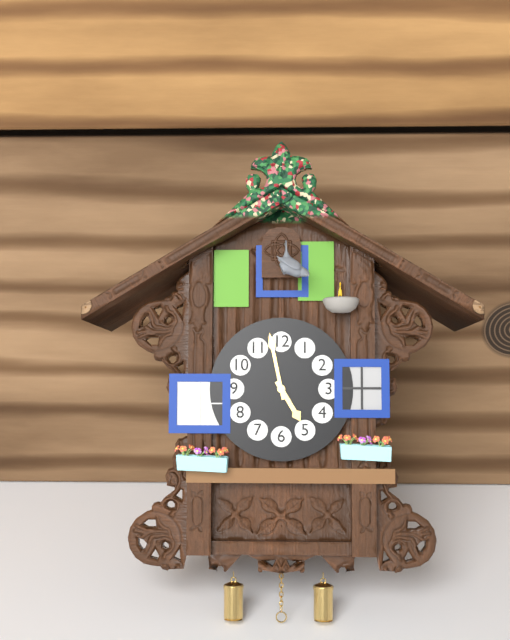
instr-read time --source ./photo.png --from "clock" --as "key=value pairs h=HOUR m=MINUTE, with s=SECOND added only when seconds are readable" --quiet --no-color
h=4 m=58
